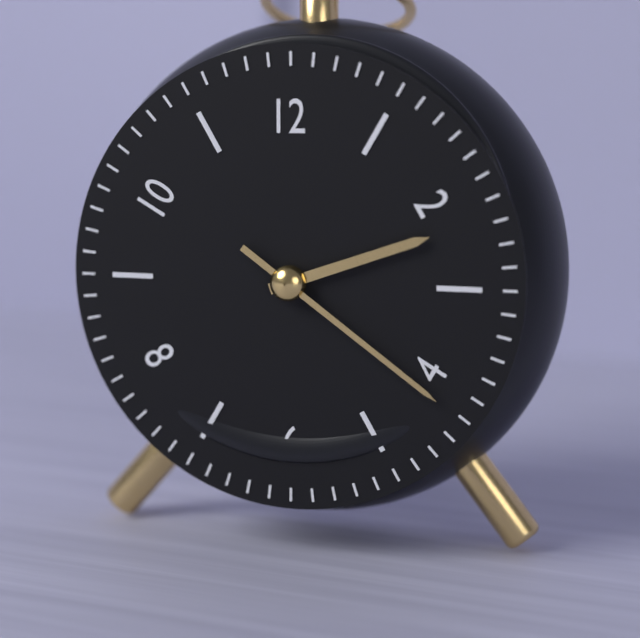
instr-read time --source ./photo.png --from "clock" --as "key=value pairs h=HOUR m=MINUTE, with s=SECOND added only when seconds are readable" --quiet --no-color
h=2 m=21
